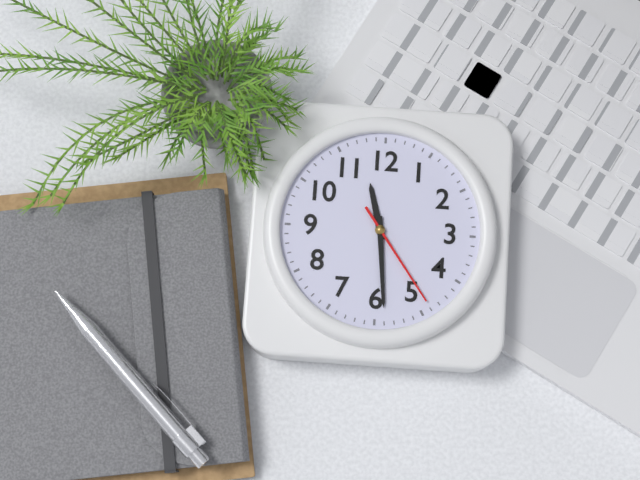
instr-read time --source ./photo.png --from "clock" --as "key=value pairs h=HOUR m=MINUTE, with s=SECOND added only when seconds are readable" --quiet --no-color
h=11 m=29 s=24
